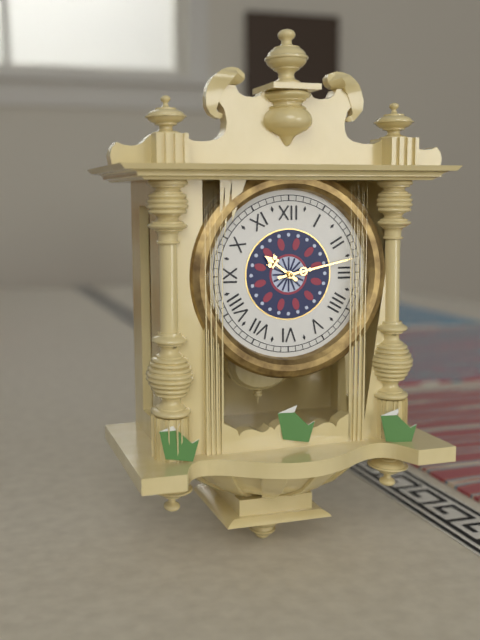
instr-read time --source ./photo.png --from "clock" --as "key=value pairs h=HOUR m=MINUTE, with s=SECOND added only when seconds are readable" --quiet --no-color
h=10 m=13
